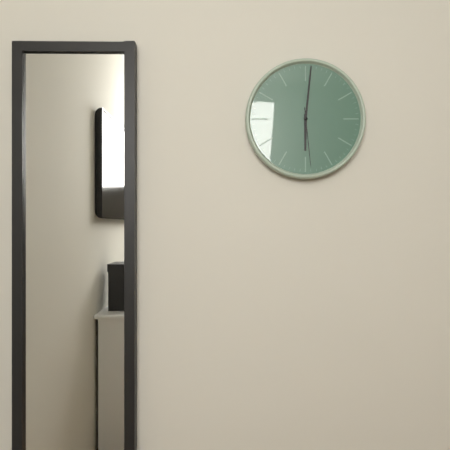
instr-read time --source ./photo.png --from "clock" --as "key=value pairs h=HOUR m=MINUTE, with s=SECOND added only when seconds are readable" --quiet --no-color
h=6 m=1 s=29
